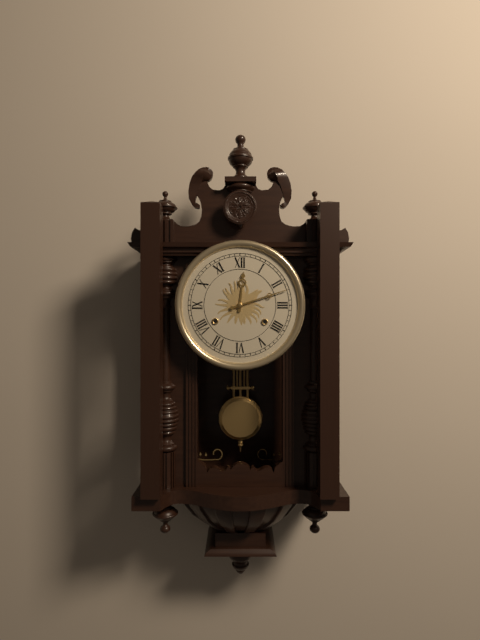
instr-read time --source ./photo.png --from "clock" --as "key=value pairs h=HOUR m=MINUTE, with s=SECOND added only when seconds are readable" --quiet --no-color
h=12 m=12
